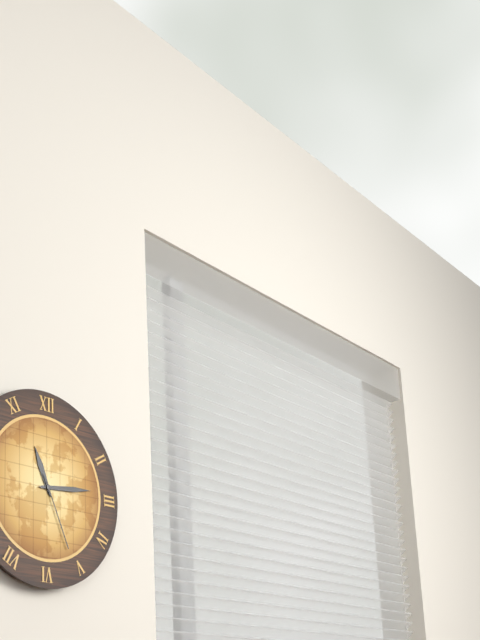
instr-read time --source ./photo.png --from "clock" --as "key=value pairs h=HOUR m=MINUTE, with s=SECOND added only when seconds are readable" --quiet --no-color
h=11 m=14 s=26
